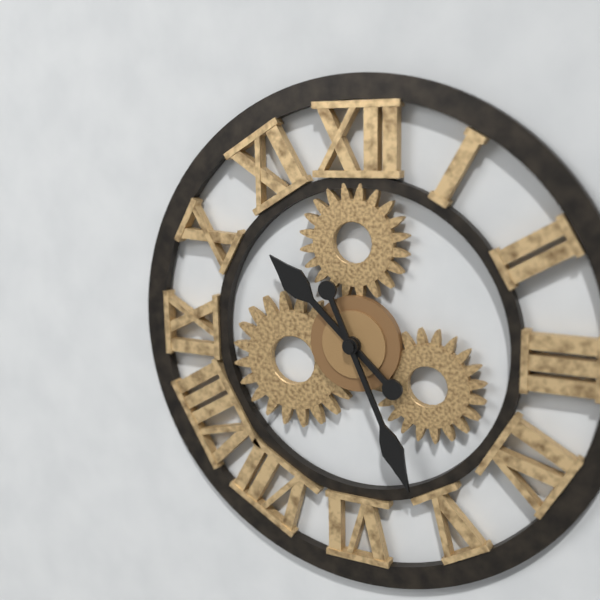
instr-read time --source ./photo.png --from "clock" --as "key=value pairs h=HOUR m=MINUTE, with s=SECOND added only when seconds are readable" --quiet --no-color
h=10 m=26
